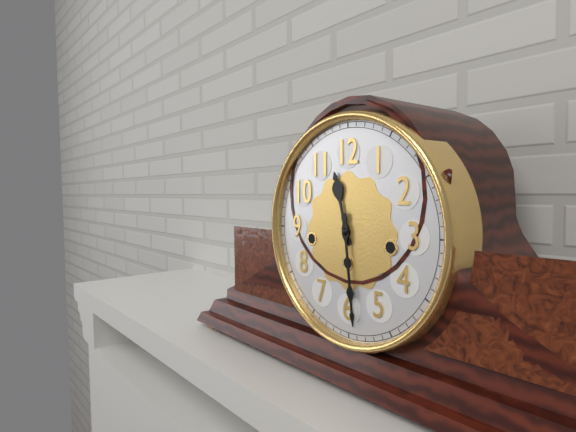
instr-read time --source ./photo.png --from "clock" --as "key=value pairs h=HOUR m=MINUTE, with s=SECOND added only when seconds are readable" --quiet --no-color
h=11 m=29
